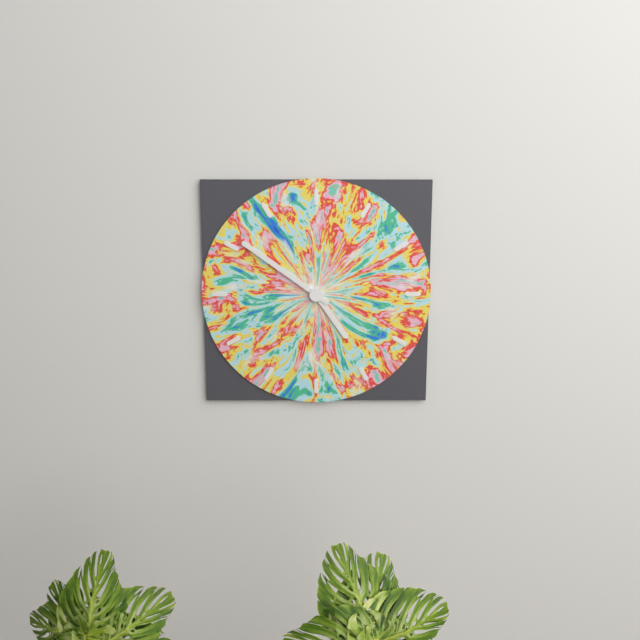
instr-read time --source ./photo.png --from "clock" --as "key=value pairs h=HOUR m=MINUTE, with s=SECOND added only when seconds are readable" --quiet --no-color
h=4 m=51
